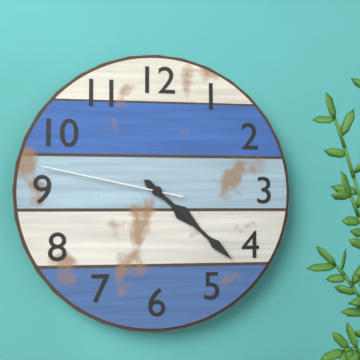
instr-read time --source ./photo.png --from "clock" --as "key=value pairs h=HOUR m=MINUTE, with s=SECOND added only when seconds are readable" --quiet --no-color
h=4 m=22 s=47
